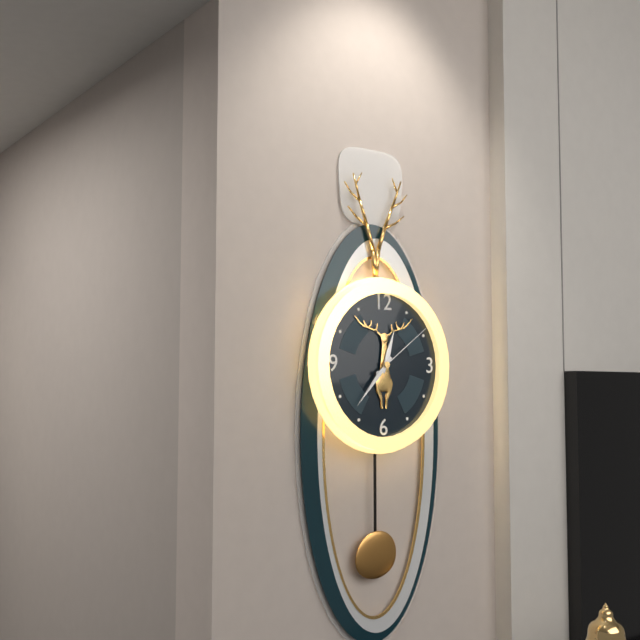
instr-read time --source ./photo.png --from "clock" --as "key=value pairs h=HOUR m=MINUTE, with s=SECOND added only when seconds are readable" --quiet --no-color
h=12 m=37 s=9
